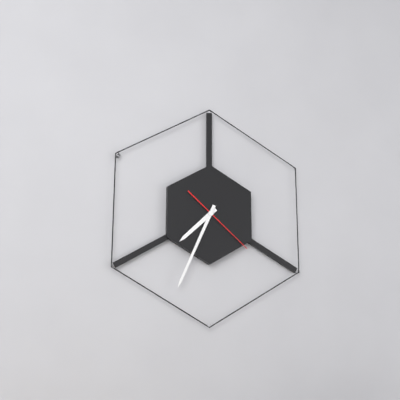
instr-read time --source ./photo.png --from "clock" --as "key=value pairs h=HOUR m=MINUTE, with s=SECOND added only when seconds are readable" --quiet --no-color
h=7 m=34 s=22
